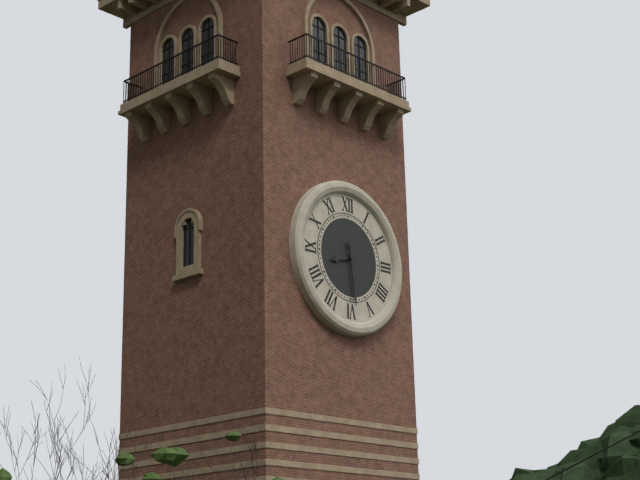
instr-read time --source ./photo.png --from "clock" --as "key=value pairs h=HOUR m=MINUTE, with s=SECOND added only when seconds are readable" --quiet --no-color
h=8 m=29
